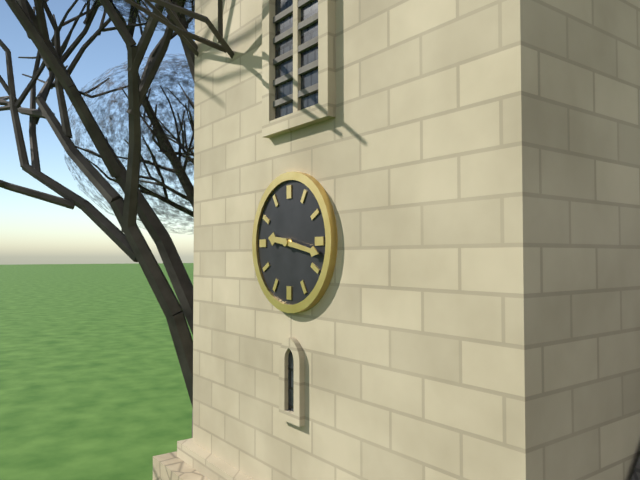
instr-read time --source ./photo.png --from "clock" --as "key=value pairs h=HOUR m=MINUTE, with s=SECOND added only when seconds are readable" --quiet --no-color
h=9 m=17
